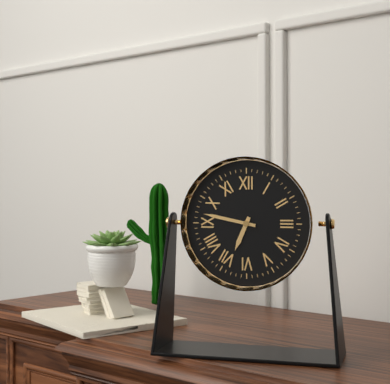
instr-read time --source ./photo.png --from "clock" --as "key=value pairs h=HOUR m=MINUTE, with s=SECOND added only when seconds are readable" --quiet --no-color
h=6 m=47
